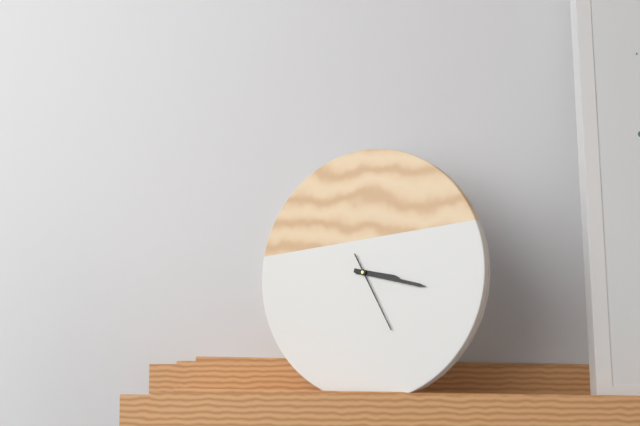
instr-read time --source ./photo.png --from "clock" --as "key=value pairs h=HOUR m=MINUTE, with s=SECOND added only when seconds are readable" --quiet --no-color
h=3 m=17 s=25
